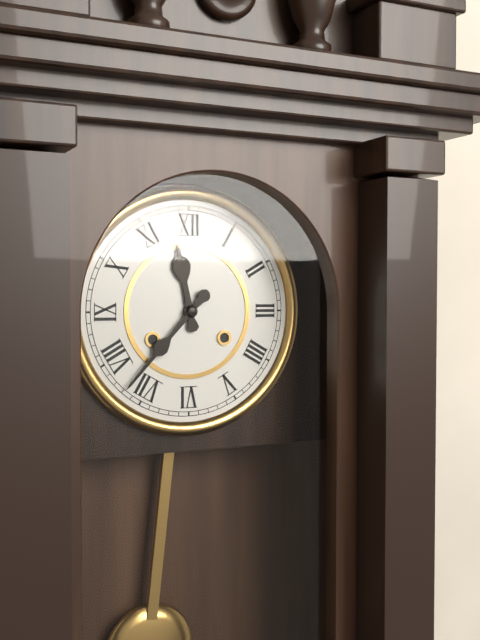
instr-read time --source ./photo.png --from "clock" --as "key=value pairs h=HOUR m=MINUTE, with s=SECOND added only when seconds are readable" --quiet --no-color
h=11 m=37
